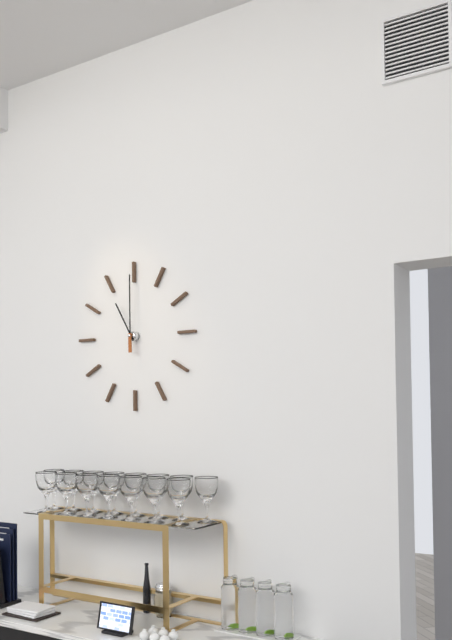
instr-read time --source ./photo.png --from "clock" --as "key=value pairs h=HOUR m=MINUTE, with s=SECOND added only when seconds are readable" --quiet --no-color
h=11 m=0
